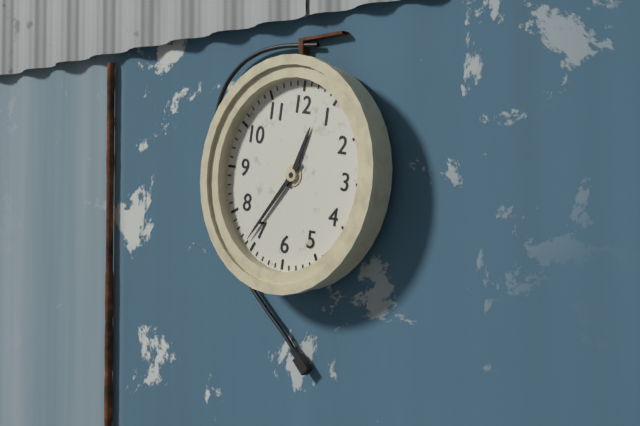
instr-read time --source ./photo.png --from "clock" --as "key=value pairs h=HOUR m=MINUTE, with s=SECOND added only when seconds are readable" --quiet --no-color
h=12 m=36
